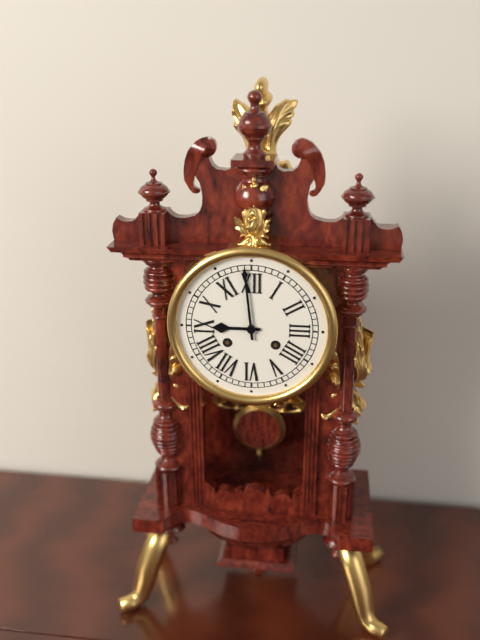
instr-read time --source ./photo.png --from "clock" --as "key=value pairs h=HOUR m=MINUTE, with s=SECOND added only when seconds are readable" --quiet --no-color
h=8 m=59
